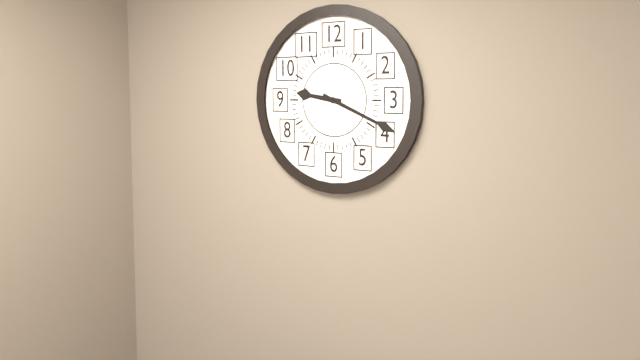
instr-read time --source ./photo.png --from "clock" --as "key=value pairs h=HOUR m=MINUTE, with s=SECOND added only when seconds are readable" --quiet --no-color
h=9 m=19
